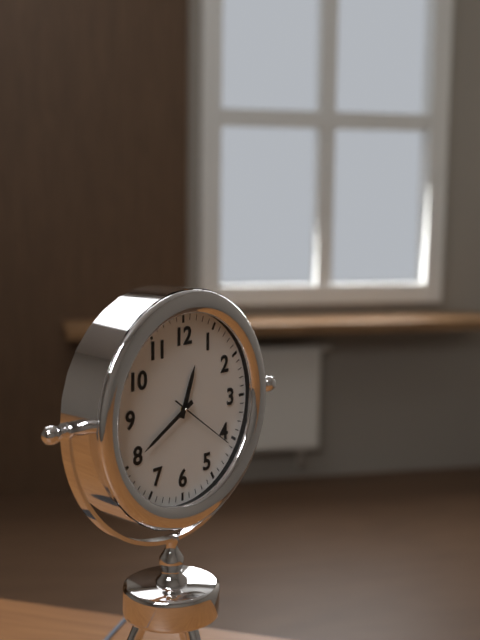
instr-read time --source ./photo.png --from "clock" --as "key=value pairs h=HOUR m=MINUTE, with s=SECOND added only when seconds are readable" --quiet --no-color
h=12 m=40 s=21
